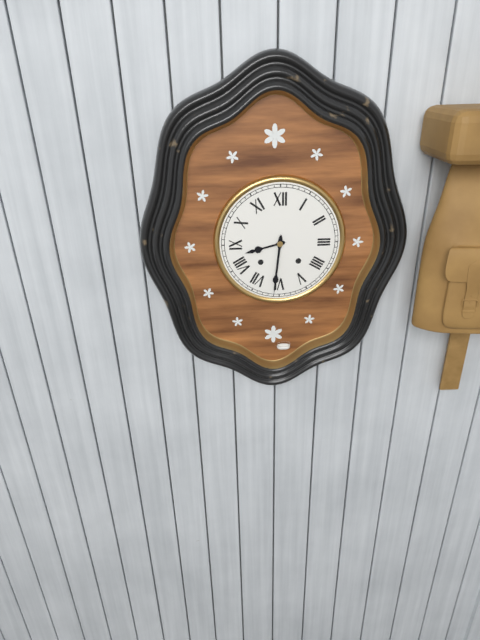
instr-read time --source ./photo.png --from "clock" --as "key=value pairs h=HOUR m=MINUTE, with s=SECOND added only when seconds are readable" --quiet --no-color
h=8 m=31
